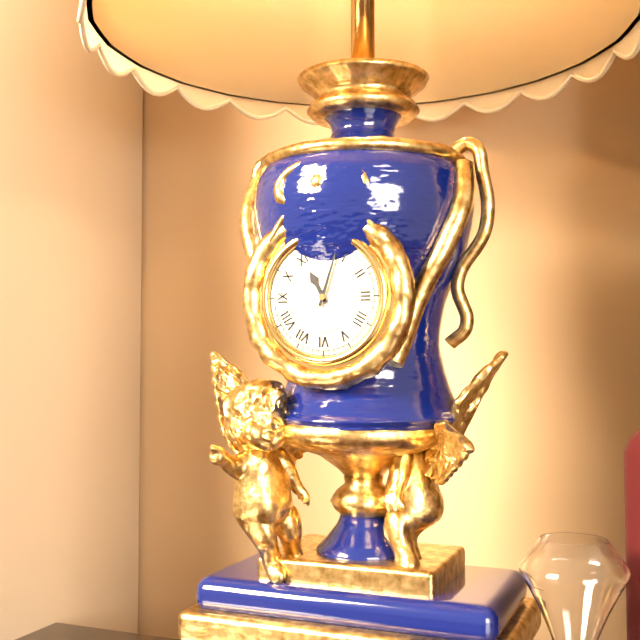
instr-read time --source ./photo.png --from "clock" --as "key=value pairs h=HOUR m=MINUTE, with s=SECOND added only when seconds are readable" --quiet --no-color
h=11 m=3
